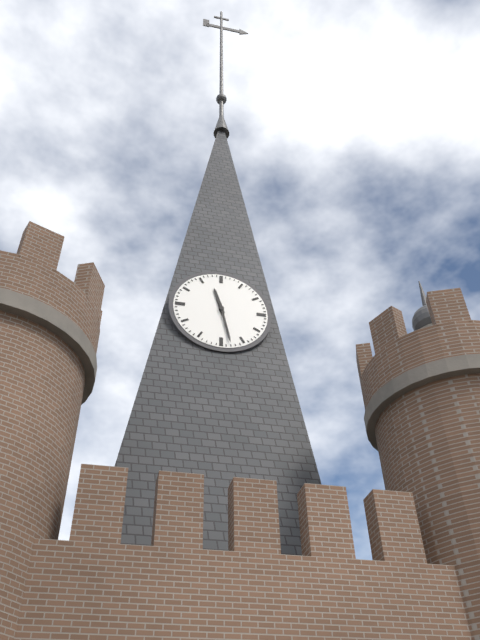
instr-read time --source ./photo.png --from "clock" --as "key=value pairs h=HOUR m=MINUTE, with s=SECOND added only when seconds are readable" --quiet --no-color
h=11 m=28
